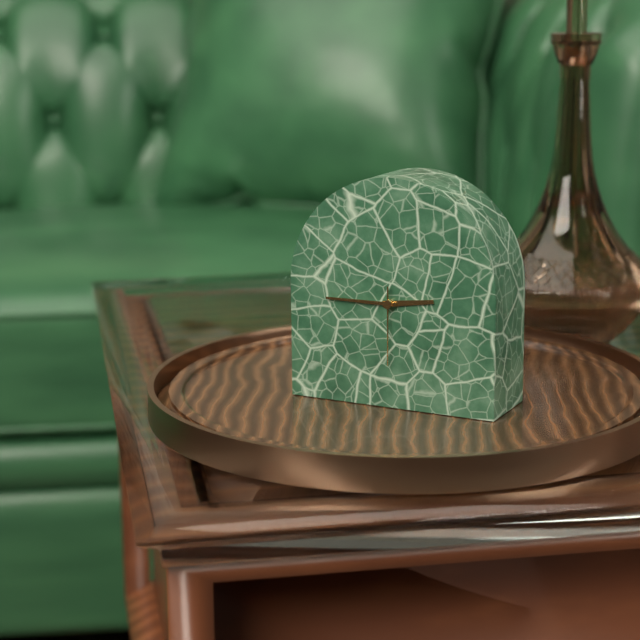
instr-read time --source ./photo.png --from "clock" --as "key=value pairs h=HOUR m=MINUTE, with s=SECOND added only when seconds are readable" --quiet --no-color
h=2 m=45 s=30
